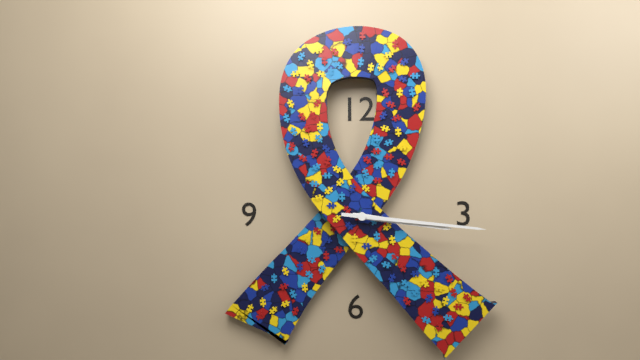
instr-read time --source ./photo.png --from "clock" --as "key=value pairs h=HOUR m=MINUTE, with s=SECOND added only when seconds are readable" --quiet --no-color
h=3 m=16
